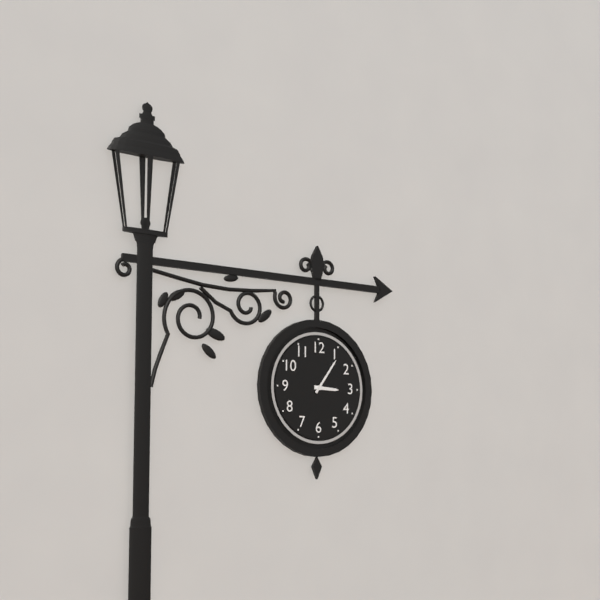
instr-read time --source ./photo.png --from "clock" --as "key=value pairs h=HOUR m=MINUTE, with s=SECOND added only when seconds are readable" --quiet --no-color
h=3 m=6
